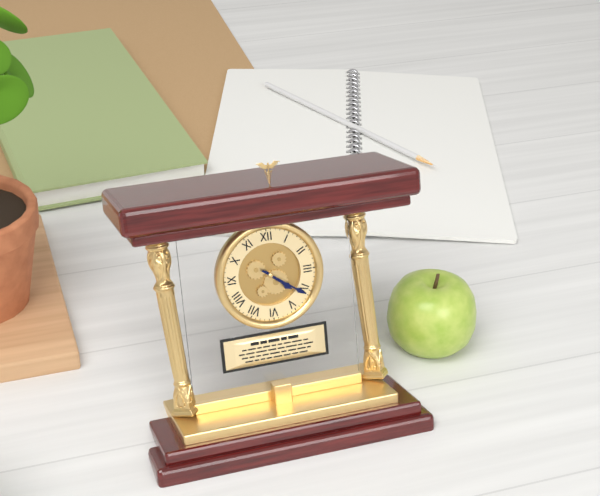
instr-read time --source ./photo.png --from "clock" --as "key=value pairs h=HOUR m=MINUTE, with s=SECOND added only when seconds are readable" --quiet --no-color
h=4 m=21
